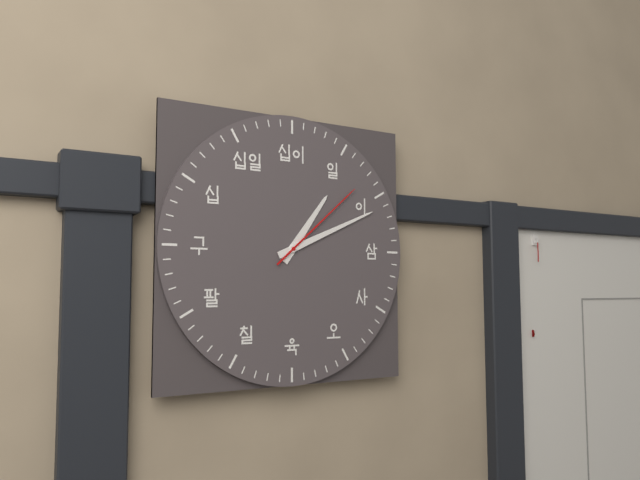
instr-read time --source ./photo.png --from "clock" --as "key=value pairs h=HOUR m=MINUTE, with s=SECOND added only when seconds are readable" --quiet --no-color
h=1 m=11 s=8
